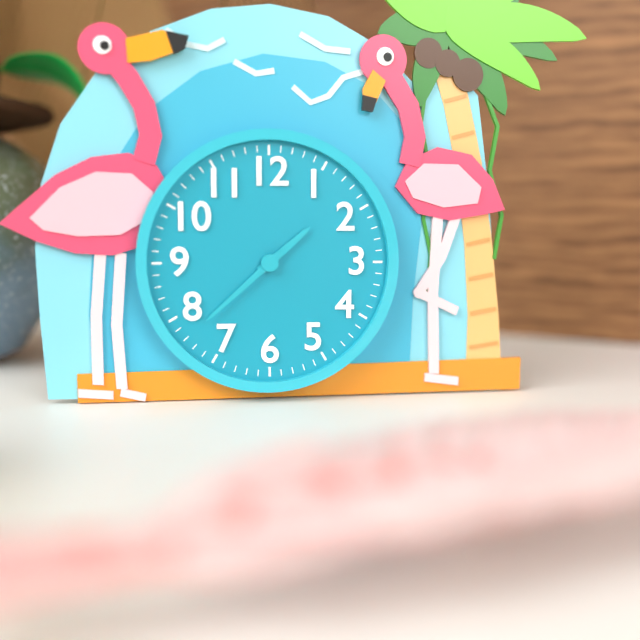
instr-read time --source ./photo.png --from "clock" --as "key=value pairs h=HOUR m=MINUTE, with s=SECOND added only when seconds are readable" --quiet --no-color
h=1 m=38
